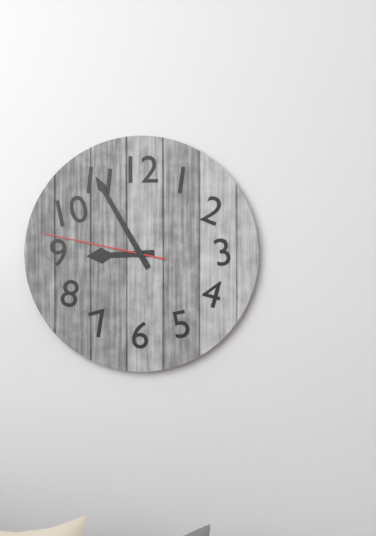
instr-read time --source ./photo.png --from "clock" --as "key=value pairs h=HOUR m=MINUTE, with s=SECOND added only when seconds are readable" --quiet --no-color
h=8 m=55 s=47
